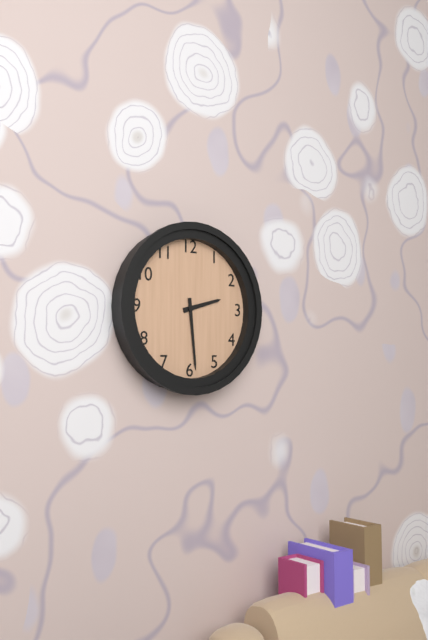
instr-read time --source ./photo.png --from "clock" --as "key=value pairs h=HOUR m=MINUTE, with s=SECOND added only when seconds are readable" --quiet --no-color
h=2 m=29
